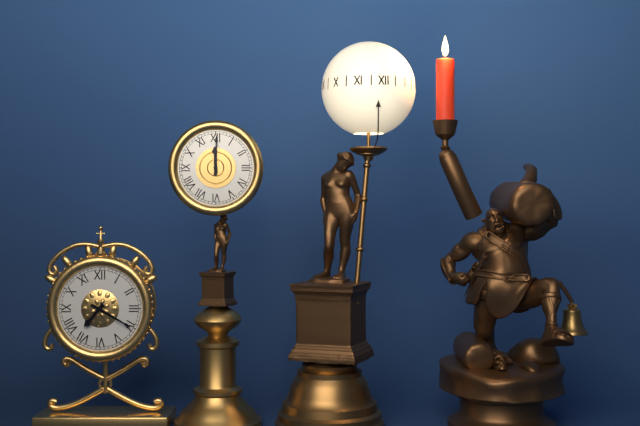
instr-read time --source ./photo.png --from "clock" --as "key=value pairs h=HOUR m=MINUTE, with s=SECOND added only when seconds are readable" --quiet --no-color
h=7 m=20
